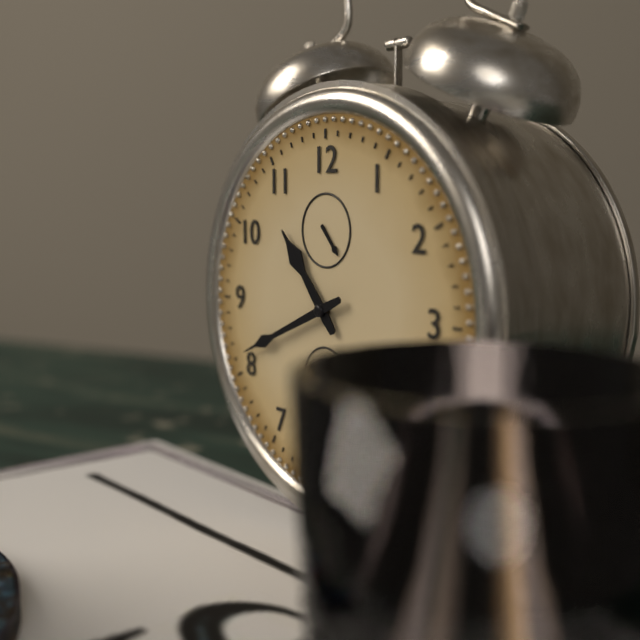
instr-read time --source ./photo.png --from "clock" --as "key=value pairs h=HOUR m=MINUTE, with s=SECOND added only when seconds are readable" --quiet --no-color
h=10 m=41
